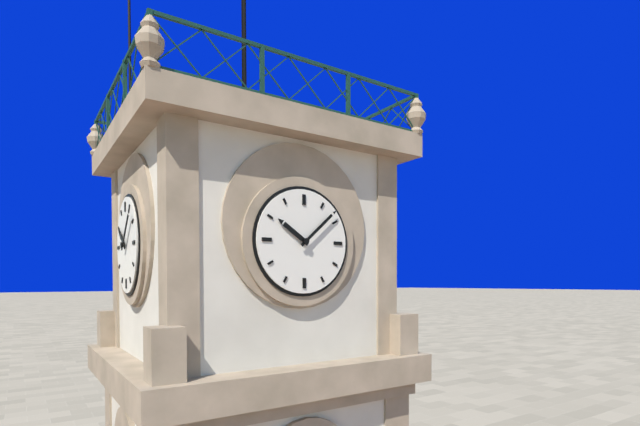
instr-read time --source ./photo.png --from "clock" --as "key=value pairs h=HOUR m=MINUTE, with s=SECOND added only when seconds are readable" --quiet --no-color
h=10 m=8
